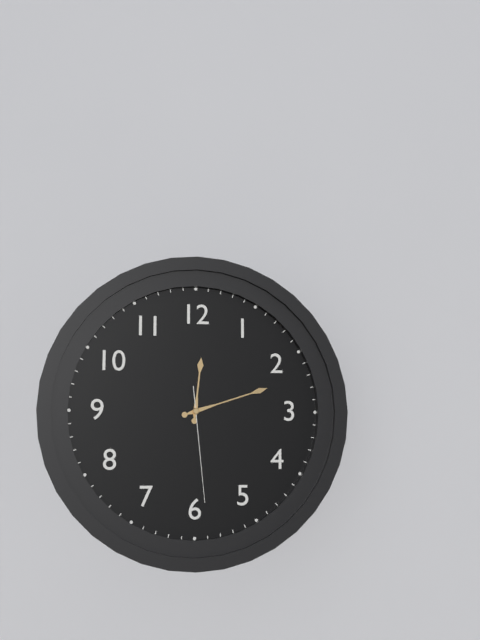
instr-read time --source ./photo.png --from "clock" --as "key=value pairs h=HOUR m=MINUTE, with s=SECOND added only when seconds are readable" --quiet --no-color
h=12 m=12 s=29
